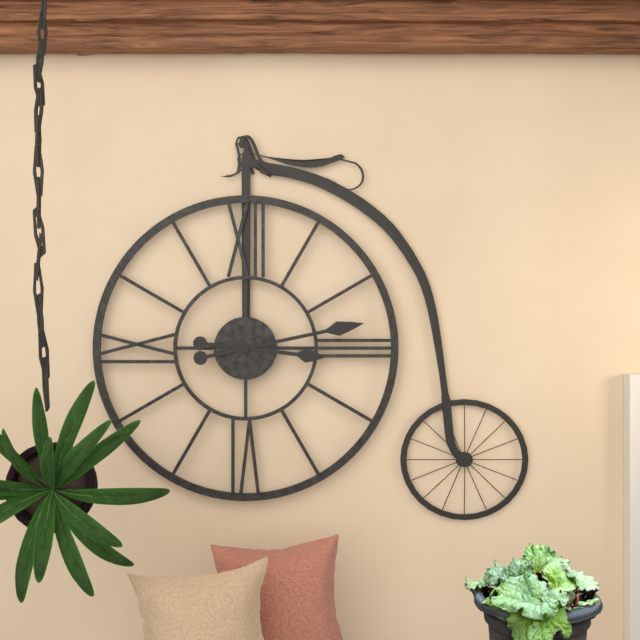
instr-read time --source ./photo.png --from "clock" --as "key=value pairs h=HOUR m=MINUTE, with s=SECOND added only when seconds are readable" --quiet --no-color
h=3 m=13
